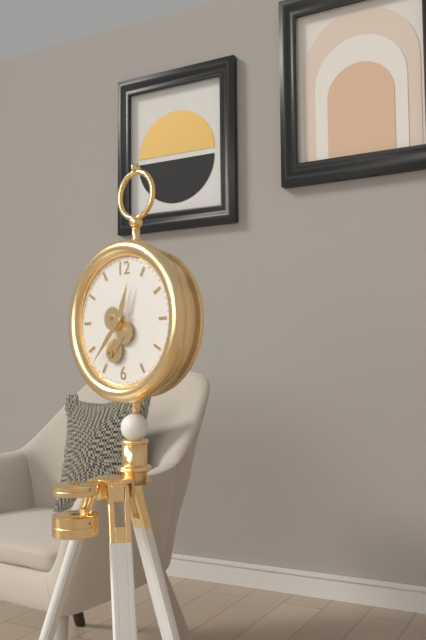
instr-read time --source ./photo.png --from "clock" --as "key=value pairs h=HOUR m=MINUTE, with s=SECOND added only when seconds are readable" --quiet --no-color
h=12 m=37
